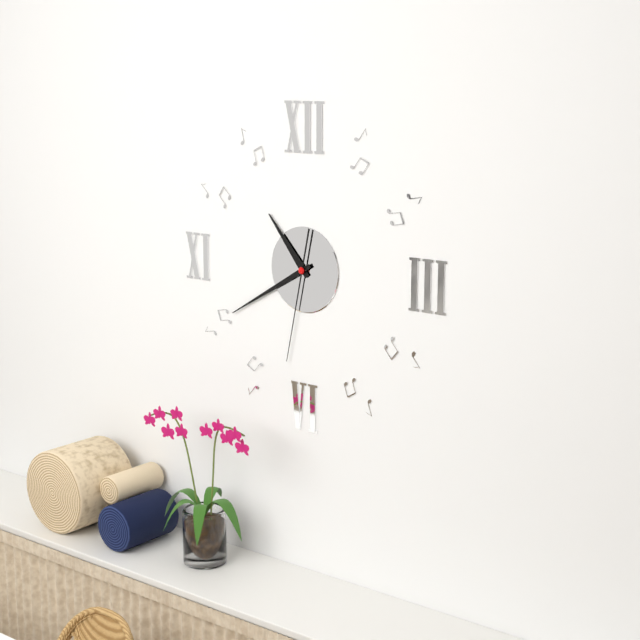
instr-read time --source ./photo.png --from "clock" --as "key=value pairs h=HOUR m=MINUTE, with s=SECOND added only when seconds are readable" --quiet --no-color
h=10 m=40 s=32
